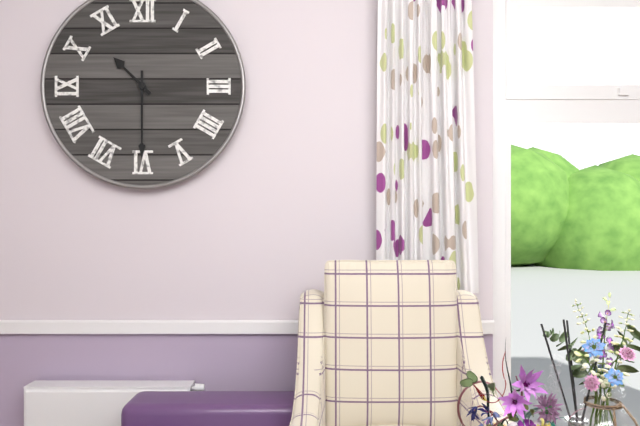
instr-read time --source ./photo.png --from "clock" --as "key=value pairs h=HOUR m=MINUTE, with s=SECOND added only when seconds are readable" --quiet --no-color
h=10 m=30
